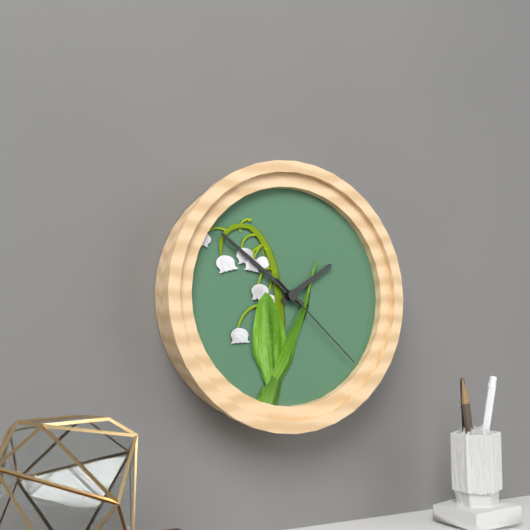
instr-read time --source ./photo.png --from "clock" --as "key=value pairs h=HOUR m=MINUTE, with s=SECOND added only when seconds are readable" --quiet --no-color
h=1 m=51 s=22
